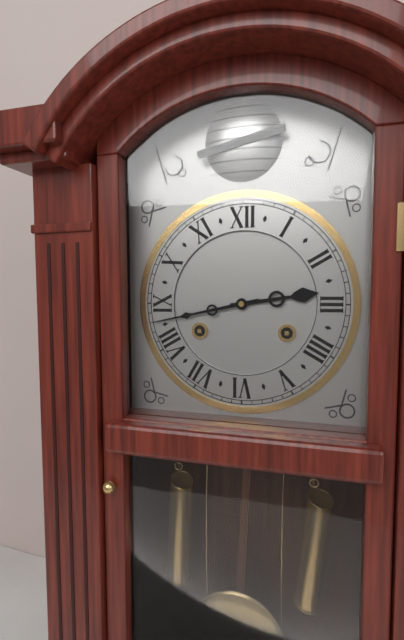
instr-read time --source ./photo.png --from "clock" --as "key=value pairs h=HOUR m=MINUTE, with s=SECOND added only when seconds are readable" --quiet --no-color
h=2 m=43
